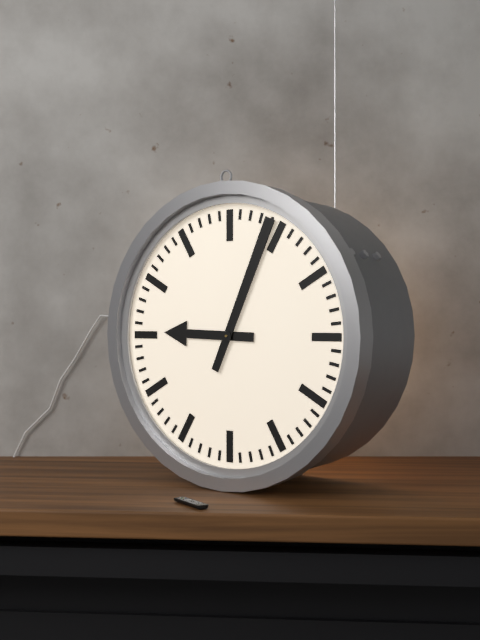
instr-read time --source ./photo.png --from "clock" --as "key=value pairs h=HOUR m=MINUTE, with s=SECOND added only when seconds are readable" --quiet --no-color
h=9 m=4
